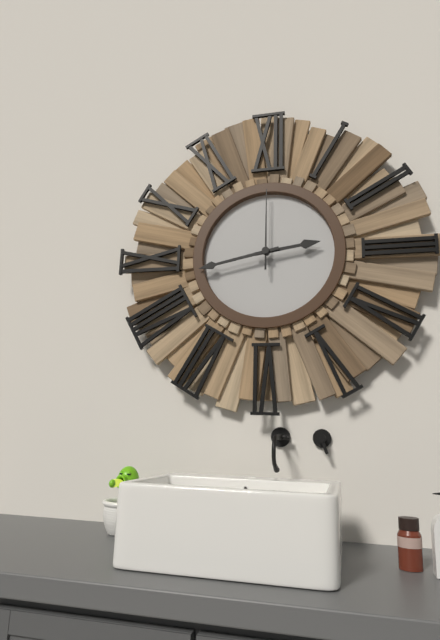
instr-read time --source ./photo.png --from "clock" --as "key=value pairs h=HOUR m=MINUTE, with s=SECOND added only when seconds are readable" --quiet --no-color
h=2 m=43 s=0
